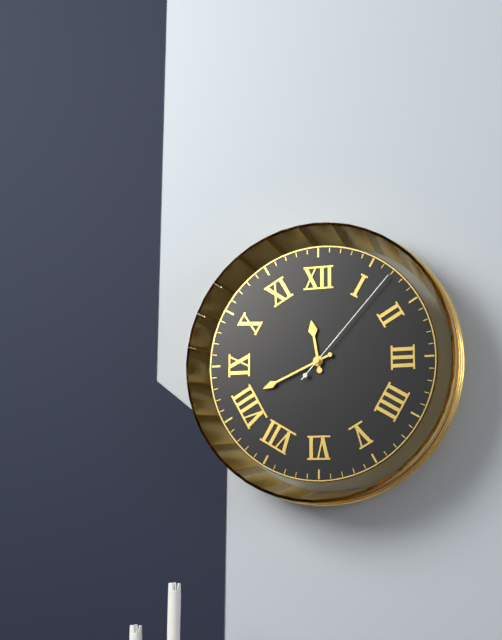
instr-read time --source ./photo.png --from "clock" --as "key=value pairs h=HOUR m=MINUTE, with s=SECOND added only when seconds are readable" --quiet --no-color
h=11 m=41 s=7
